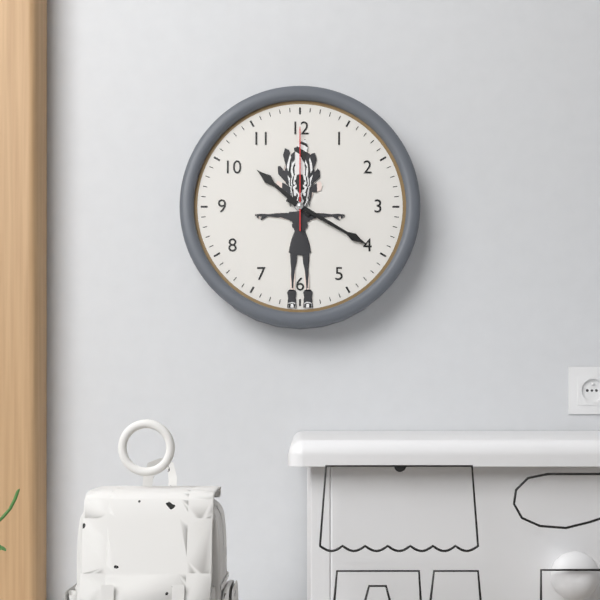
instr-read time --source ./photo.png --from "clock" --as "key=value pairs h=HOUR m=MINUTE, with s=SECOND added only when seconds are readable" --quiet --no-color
h=10 m=20 s=0
